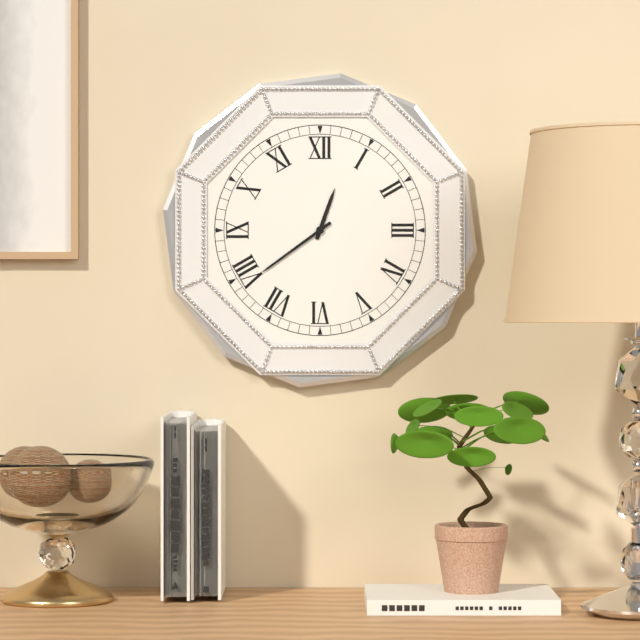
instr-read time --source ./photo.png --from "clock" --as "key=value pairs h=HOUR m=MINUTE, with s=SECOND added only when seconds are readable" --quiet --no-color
h=12 m=39
